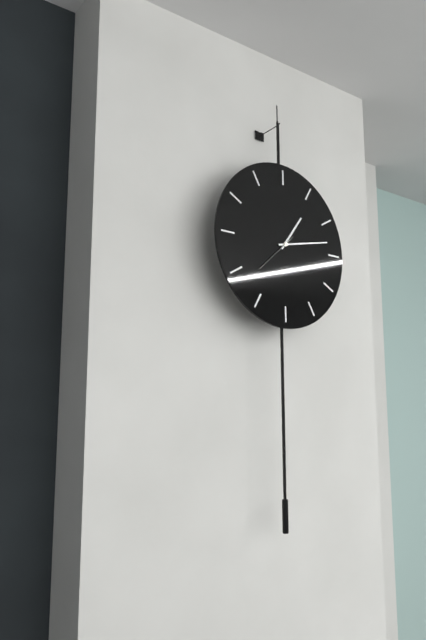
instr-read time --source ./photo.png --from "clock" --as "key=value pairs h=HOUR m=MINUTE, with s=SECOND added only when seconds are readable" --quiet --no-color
h=1 m=13
